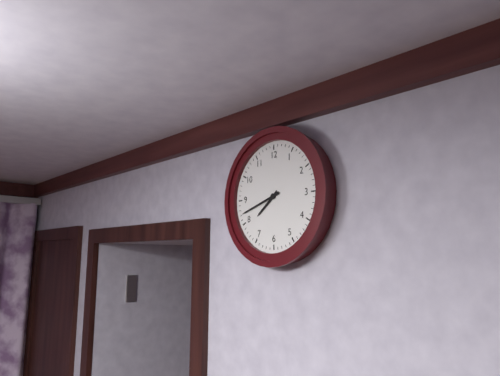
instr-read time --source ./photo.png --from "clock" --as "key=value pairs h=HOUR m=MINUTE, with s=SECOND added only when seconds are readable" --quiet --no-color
h=7 m=42
